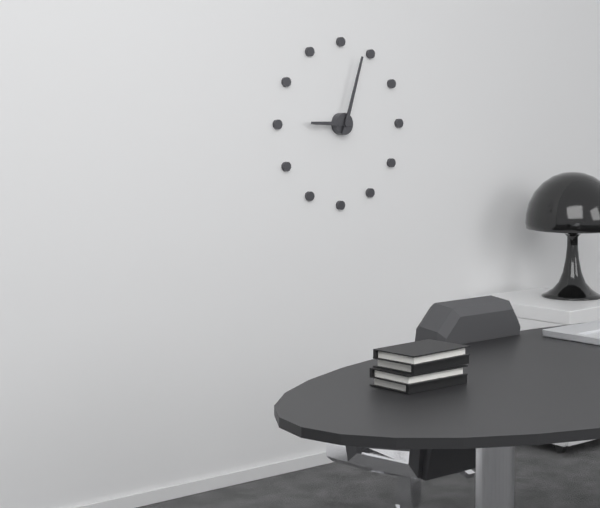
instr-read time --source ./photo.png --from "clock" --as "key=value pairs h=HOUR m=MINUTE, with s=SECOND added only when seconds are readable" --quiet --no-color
h=9 m=3
